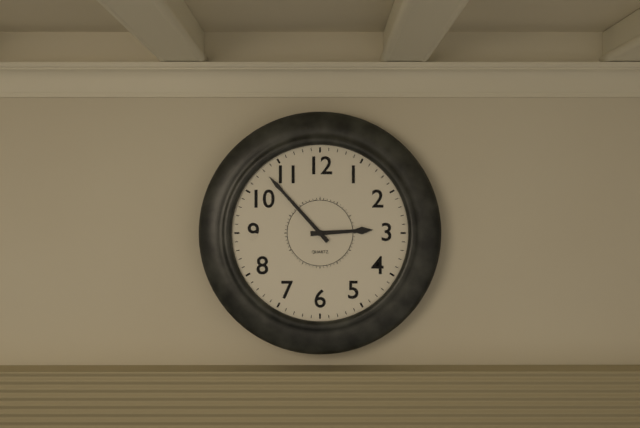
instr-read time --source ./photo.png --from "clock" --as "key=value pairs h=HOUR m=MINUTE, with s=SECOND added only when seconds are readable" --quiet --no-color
h=2 m=53
